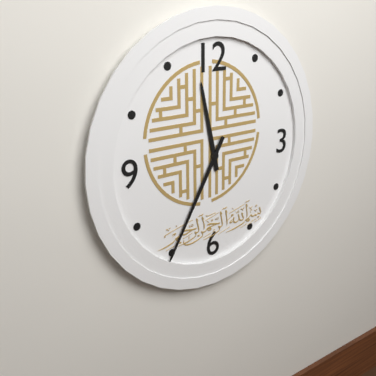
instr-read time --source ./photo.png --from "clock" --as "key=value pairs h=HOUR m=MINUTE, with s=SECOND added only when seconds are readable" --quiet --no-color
h=11 m=35
